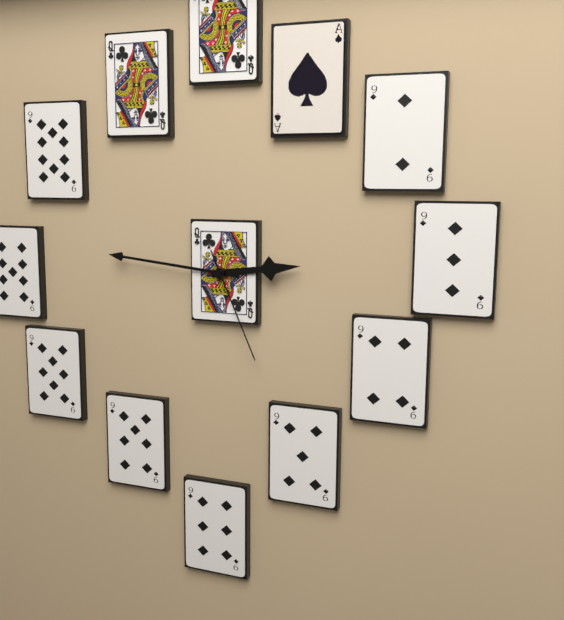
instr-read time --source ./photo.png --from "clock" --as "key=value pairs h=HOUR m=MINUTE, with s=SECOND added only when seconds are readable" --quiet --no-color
h=2 m=46 s=26
